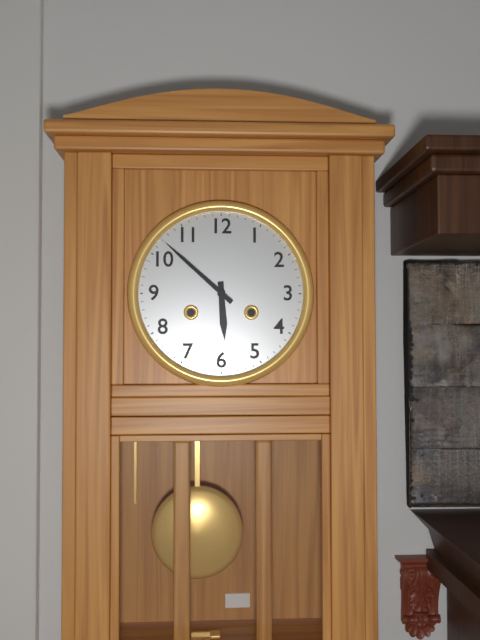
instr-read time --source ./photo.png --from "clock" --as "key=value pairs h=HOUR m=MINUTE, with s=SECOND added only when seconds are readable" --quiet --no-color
h=5 m=52
